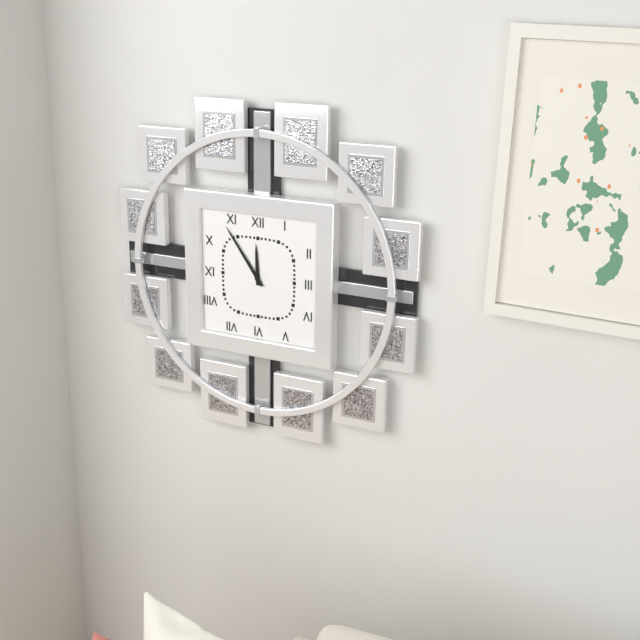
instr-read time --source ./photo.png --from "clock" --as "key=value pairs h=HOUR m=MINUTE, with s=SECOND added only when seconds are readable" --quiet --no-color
h=11 m=54
